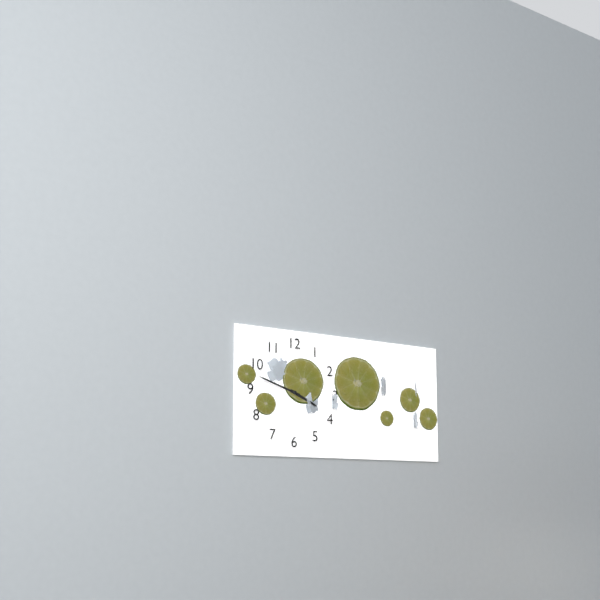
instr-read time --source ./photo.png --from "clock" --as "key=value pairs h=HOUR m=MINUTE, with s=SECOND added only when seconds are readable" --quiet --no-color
h=3 m=48
